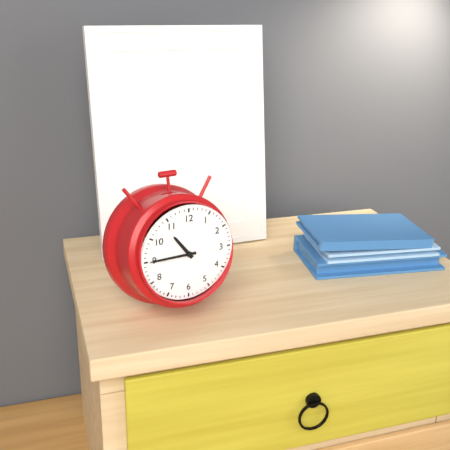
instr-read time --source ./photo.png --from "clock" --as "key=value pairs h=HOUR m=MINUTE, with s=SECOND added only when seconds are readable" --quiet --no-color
h=10 m=45
